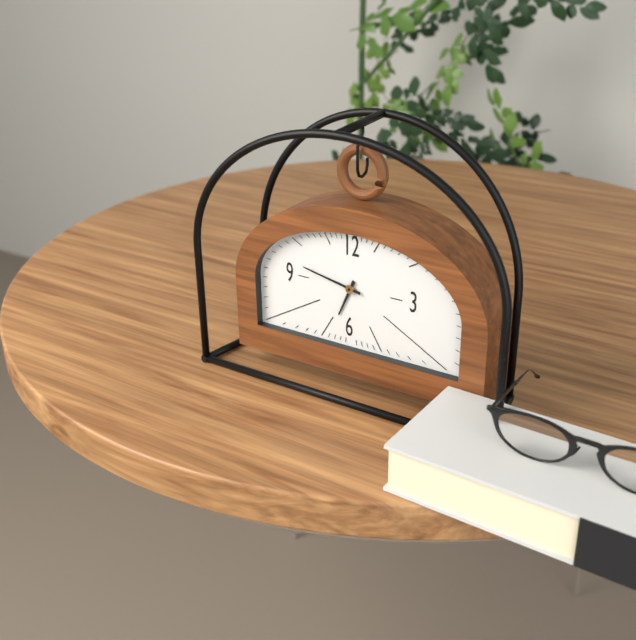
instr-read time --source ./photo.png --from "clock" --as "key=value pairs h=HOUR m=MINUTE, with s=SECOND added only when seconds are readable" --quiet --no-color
h=6 m=47
